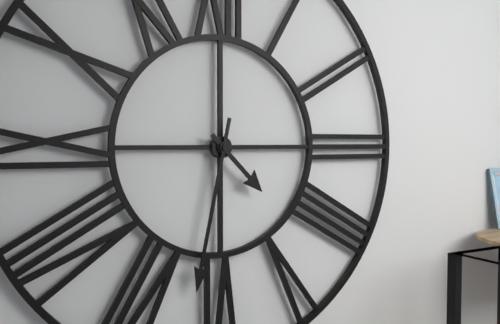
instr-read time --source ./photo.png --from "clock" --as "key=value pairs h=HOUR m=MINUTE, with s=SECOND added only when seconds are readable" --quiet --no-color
h=4 m=32
